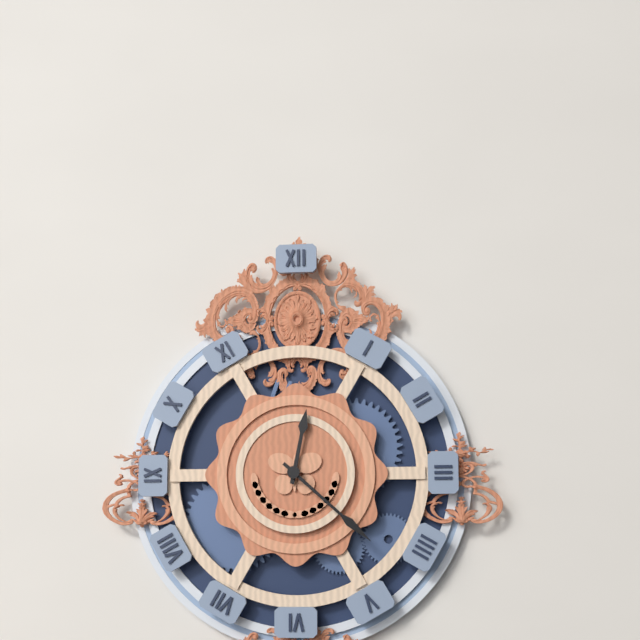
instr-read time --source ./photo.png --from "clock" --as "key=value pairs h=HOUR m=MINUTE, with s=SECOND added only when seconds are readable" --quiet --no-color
h=12 m=22
